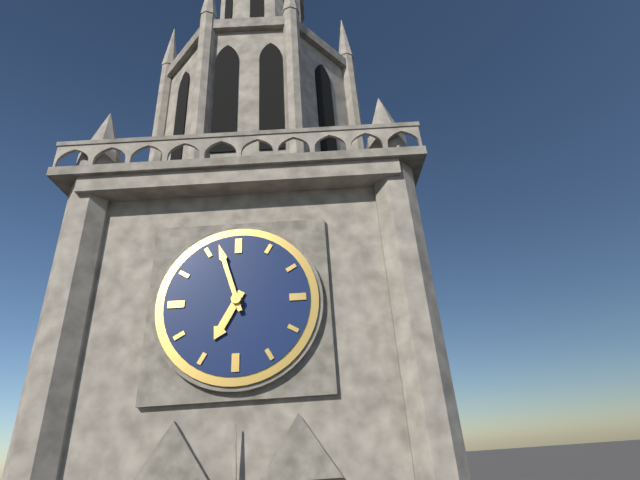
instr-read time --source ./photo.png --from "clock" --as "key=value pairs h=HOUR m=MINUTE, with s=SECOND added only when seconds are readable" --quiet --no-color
h=6 m=57
